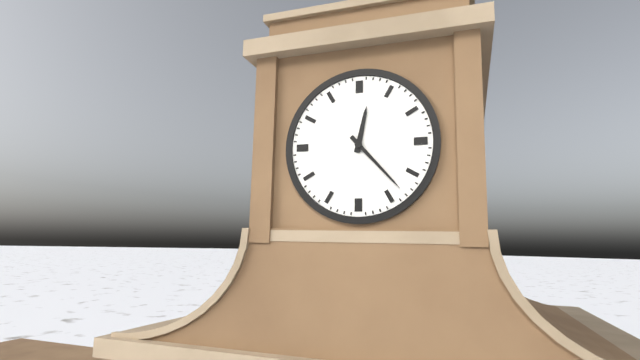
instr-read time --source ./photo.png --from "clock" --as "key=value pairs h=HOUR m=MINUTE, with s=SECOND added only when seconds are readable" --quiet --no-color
h=12 m=23
